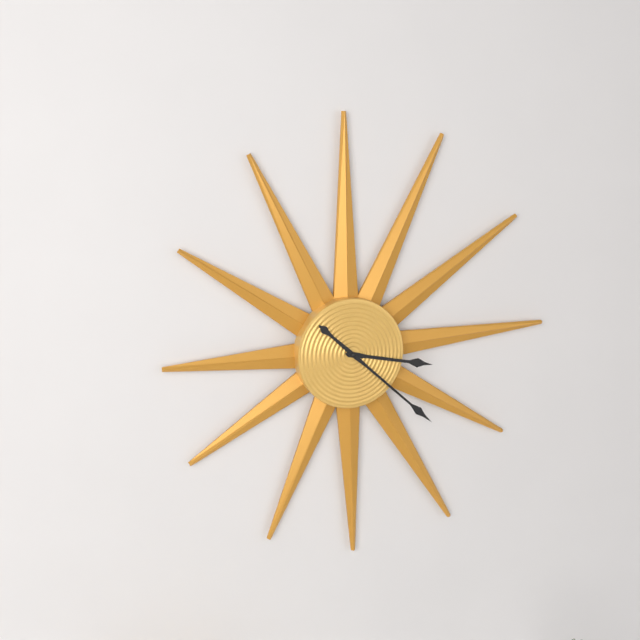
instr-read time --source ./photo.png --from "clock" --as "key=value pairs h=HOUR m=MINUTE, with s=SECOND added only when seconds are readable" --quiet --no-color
h=3 m=22
